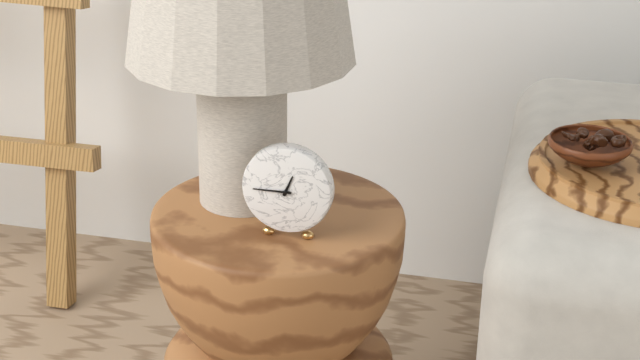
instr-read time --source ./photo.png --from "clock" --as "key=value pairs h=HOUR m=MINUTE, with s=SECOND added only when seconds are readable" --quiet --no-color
h=12 m=45
